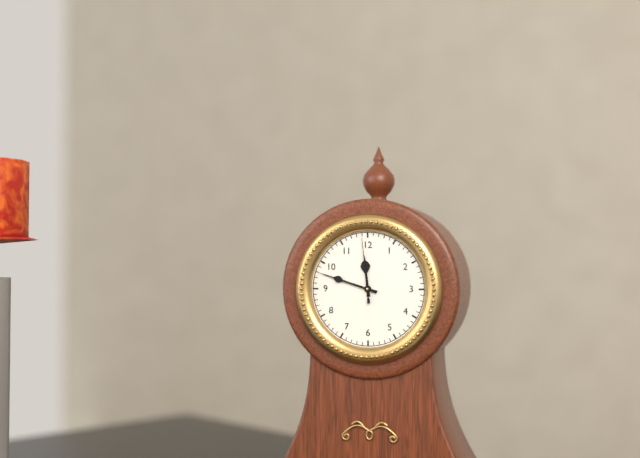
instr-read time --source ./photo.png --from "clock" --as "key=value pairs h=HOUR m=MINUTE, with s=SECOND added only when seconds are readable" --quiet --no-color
h=11 m=48 s=59
